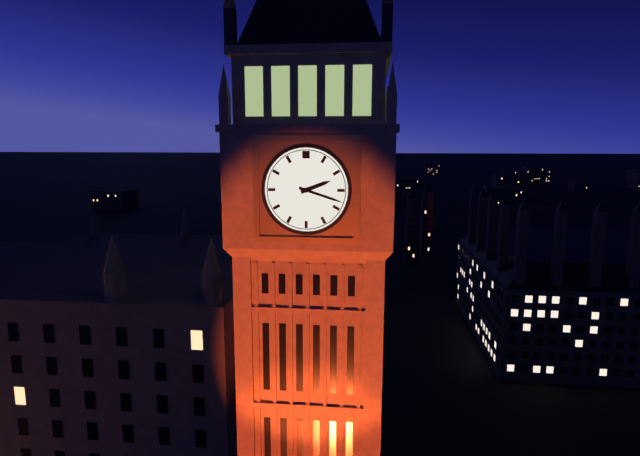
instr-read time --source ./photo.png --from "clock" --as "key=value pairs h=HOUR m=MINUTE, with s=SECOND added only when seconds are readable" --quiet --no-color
h=2 m=18
